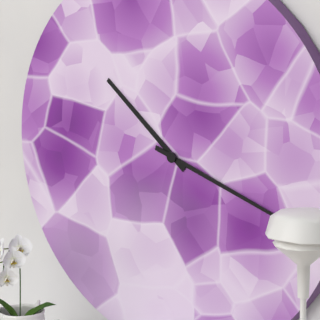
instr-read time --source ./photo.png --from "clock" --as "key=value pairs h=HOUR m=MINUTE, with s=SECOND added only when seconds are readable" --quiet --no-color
h=10 m=18
